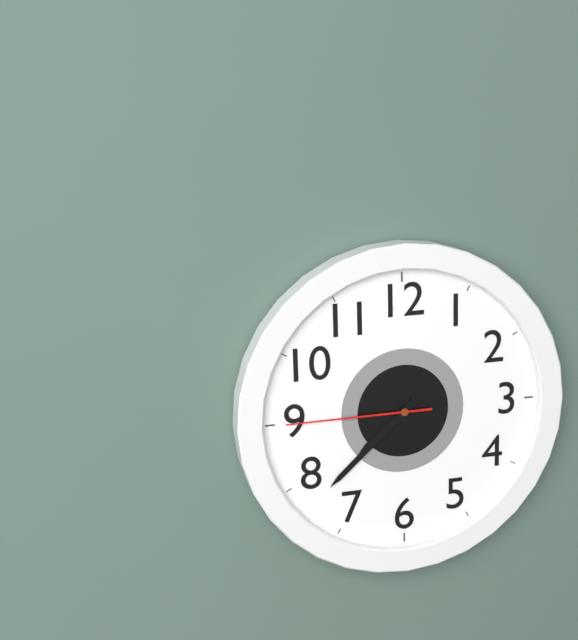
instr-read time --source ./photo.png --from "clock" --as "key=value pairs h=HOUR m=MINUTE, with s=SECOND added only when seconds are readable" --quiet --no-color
h=7 m=38 s=45
